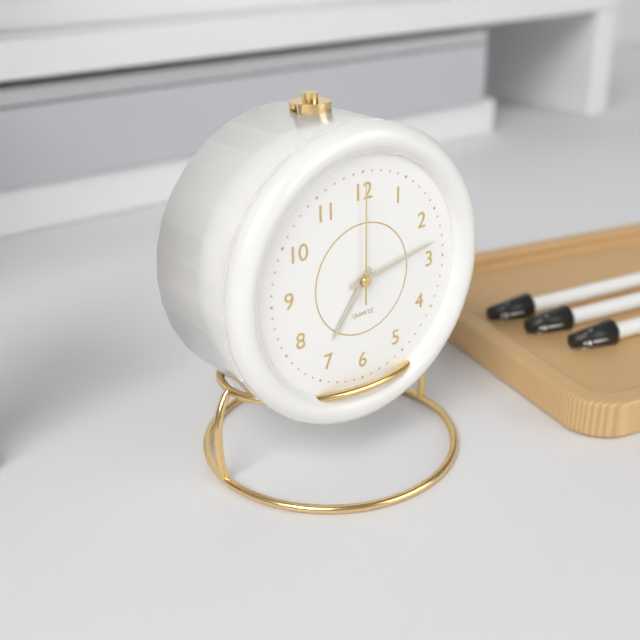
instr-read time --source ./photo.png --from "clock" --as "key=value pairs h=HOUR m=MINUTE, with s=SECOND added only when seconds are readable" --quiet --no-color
h=7 m=13 s=0
